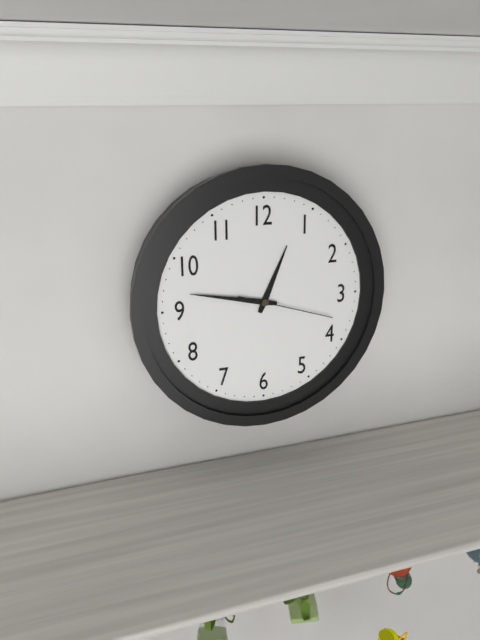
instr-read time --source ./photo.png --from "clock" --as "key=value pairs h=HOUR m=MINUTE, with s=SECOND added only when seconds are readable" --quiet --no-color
h=12 m=47 s=18
